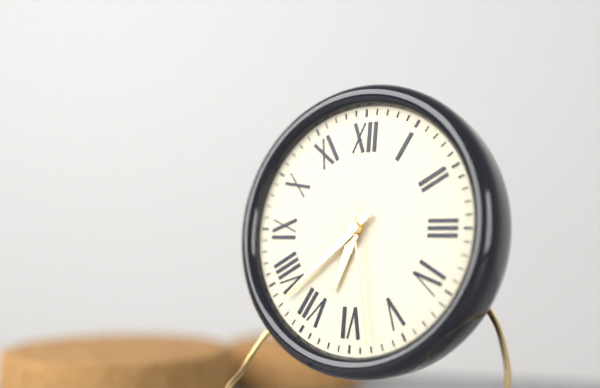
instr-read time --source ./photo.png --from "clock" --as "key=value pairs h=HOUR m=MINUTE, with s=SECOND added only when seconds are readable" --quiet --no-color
h=6 m=38 s=28
